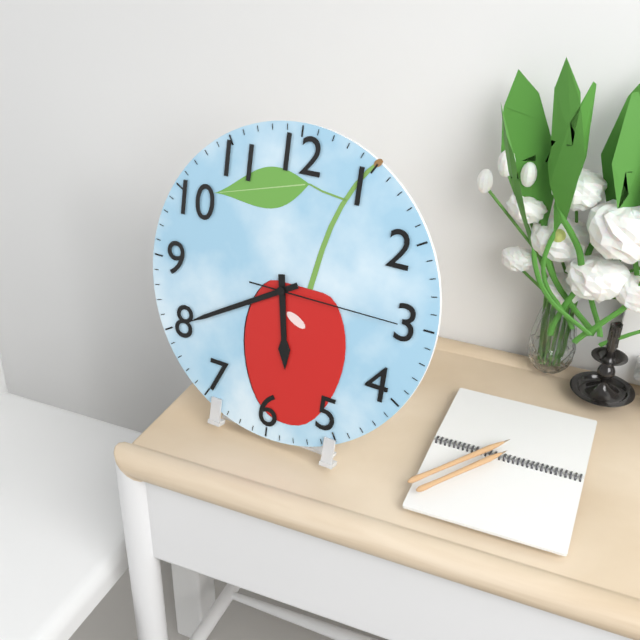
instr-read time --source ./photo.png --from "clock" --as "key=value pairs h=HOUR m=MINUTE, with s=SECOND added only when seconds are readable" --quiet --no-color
h=5 m=40 s=15
